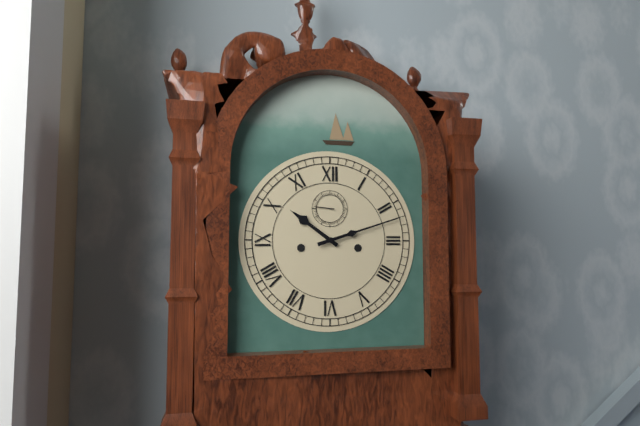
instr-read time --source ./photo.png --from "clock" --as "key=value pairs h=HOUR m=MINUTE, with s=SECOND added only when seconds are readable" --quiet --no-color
h=10 m=12
